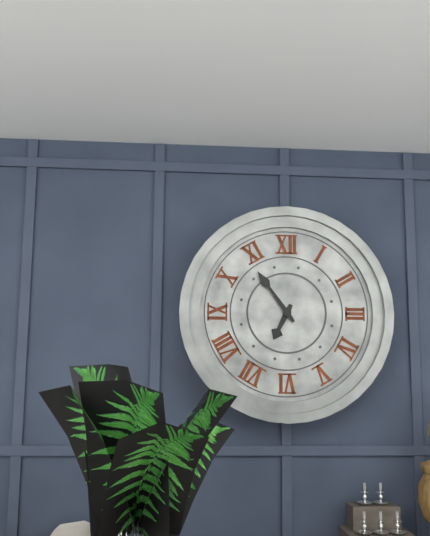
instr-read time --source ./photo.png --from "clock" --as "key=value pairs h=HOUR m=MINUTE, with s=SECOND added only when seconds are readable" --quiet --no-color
h=6 m=54
